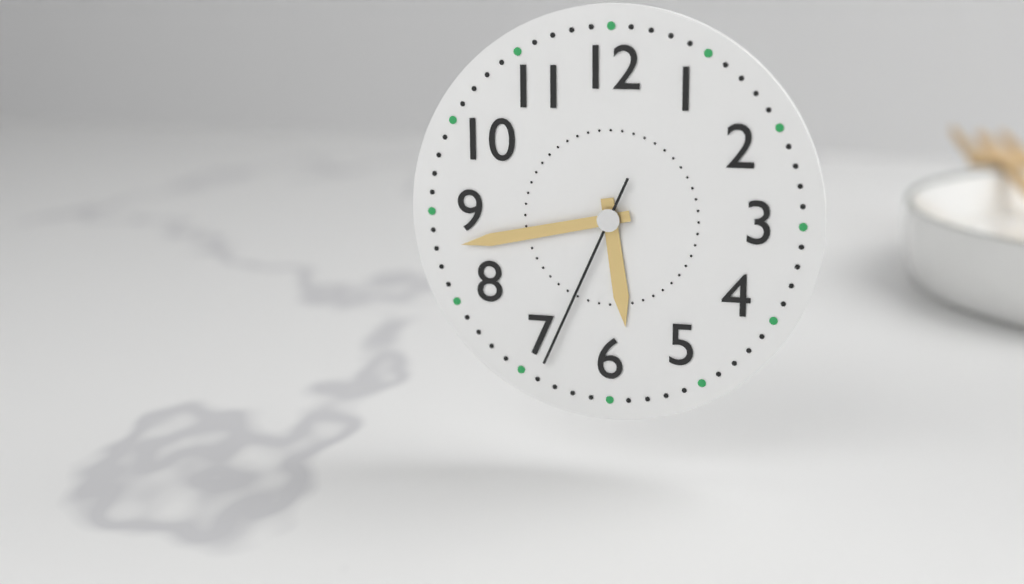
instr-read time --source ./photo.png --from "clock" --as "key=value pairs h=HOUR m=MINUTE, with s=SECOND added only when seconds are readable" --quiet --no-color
h=5 m=43 s=34
